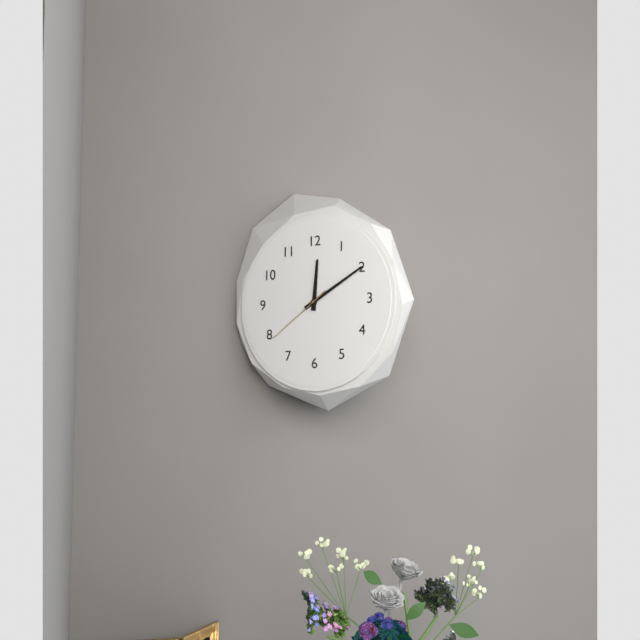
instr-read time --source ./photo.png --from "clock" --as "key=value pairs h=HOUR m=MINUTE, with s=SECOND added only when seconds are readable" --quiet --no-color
h=12 m=10 s=39
